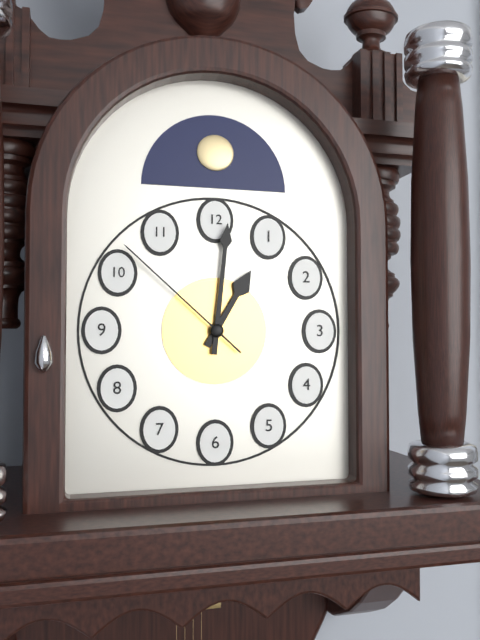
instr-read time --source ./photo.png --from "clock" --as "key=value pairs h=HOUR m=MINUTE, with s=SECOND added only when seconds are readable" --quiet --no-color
h=1 m=1 s=52
